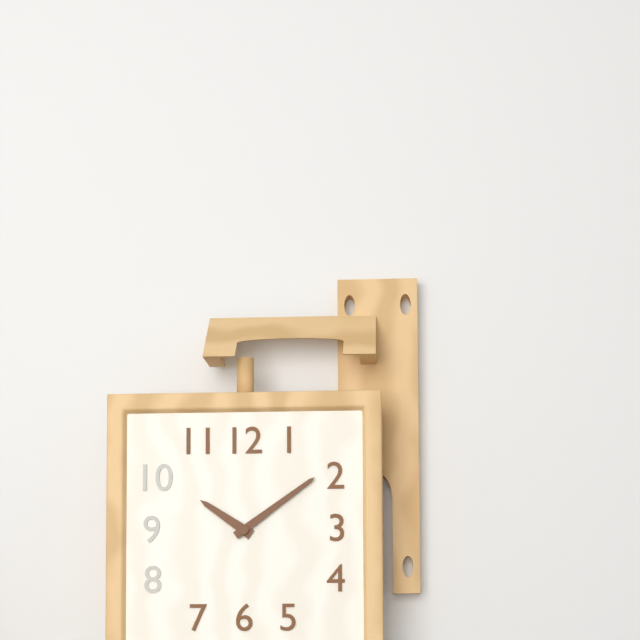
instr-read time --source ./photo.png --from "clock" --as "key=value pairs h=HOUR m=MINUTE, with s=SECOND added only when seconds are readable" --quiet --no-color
h=10 m=9
